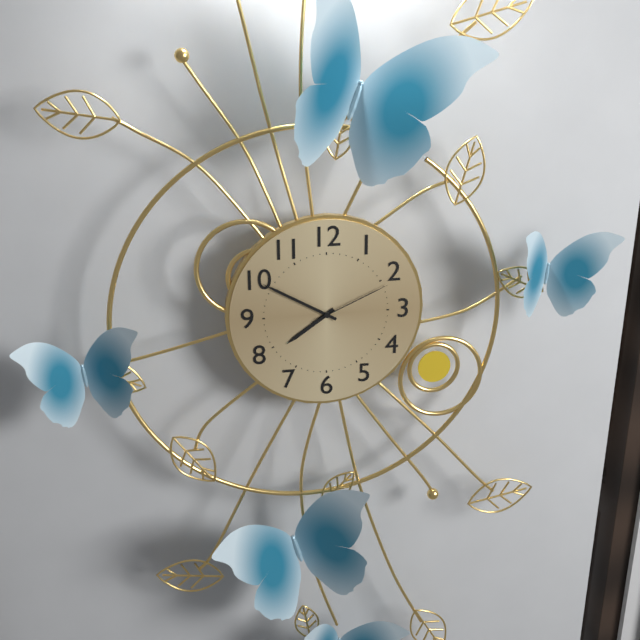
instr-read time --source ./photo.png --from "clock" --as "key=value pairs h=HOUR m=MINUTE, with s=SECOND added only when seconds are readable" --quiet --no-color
h=7 m=50 s=11
